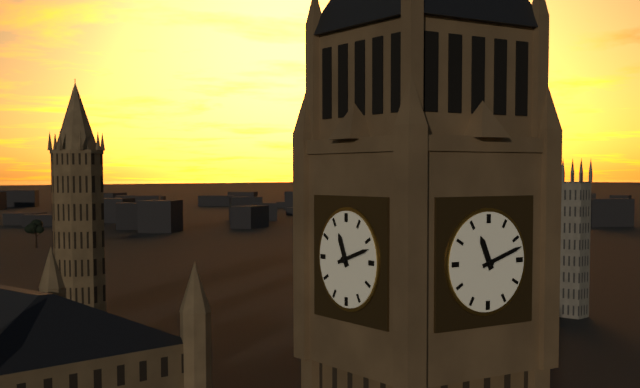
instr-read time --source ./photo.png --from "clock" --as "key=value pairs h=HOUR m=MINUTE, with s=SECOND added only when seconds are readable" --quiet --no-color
h=11 m=12
